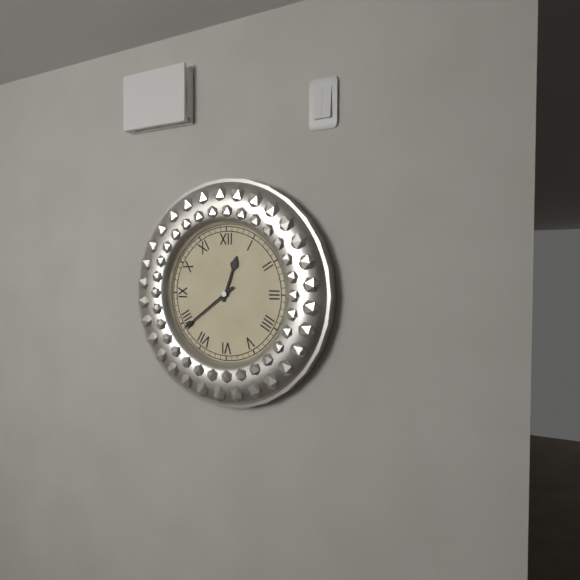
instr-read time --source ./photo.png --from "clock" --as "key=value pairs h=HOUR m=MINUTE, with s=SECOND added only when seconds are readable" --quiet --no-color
h=12 m=39
